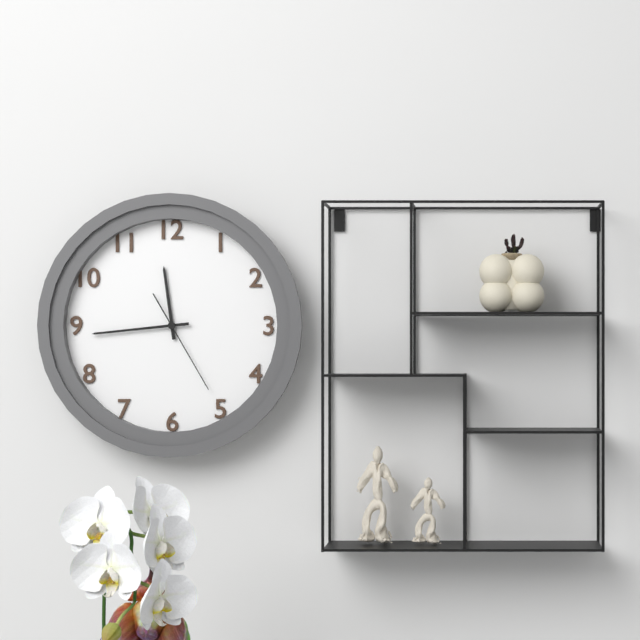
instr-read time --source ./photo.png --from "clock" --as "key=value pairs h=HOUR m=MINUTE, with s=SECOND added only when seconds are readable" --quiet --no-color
h=11 m=44 s=25
